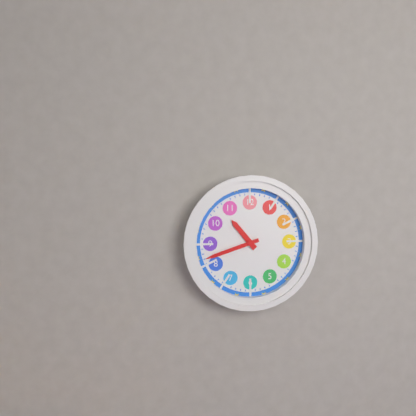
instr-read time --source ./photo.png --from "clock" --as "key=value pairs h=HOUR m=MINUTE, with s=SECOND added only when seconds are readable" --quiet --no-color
h=10 m=42
